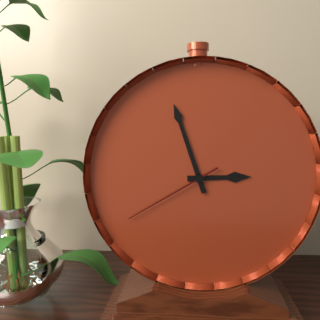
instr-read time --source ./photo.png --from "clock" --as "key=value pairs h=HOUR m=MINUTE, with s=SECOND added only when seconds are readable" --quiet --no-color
h=2 m=57 s=40
